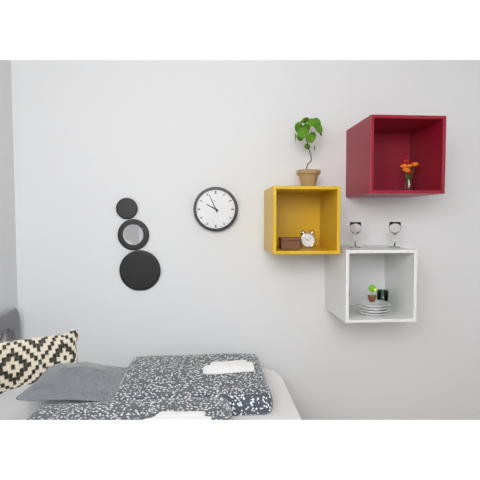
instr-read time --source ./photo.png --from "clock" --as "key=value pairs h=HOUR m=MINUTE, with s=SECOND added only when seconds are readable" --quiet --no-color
h=9 m=56
